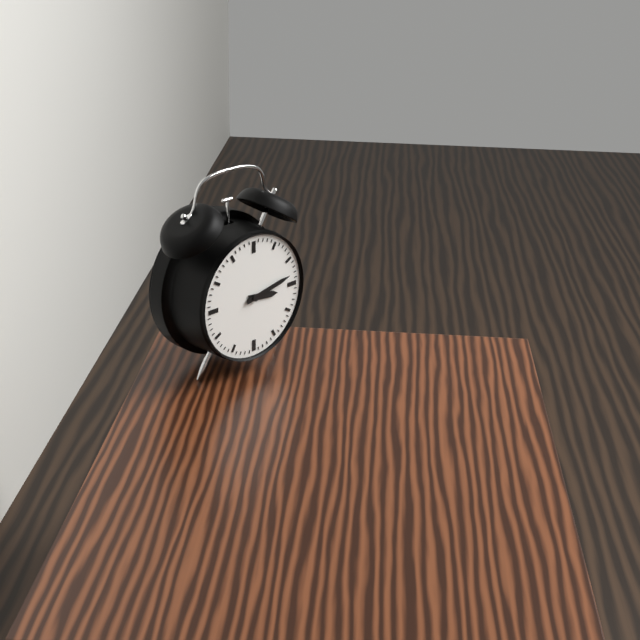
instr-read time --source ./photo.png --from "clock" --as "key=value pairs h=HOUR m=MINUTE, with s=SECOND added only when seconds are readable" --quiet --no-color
h=3 m=13
